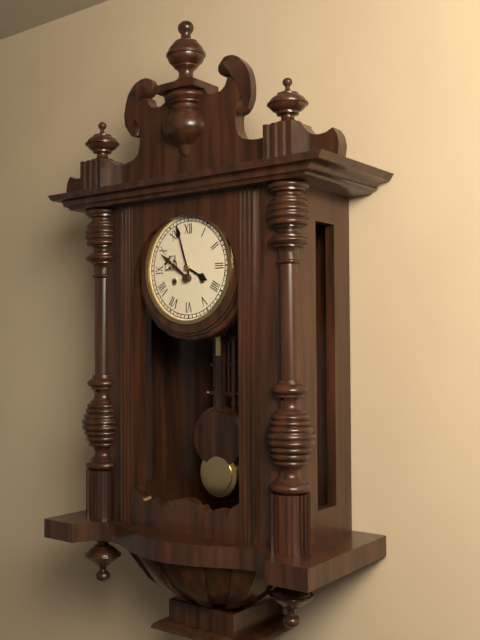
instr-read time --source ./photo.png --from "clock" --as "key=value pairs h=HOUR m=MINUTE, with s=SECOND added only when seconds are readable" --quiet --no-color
h=3 m=57
